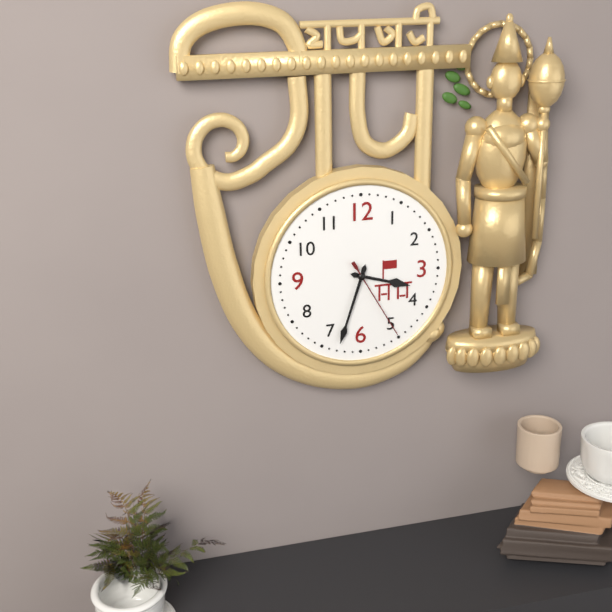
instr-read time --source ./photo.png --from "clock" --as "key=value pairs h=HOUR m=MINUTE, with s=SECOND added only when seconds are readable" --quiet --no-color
h=3 m=33 s=25
